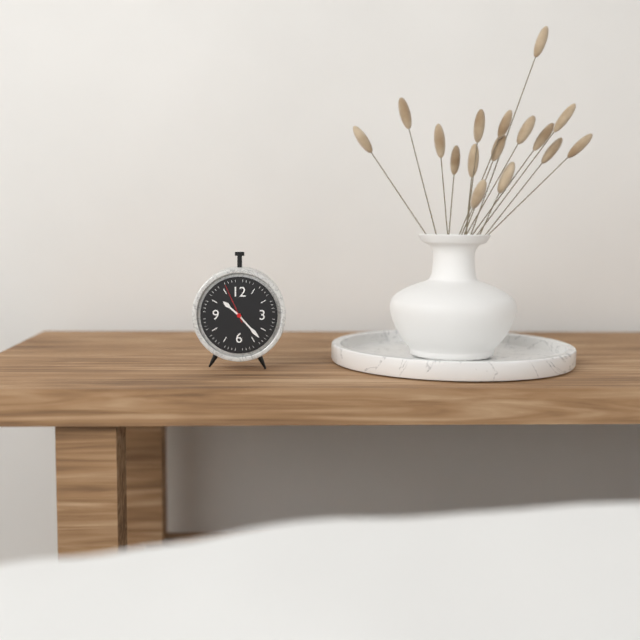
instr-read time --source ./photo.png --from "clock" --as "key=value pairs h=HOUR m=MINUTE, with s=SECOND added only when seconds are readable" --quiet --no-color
h=10 m=23
